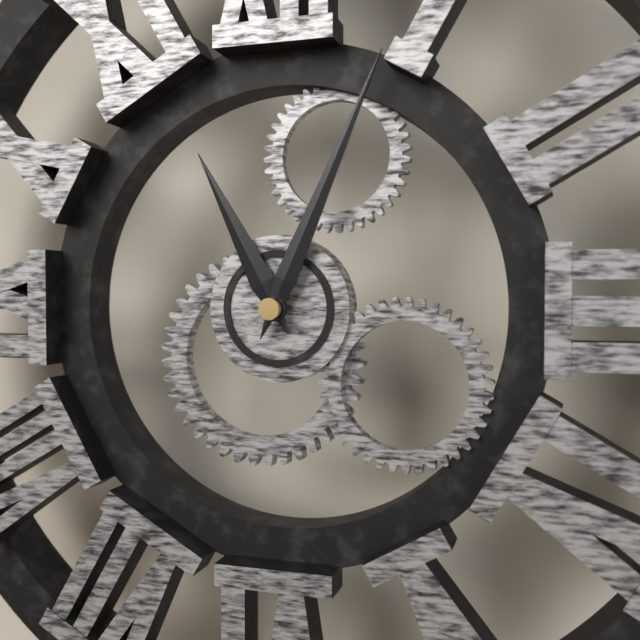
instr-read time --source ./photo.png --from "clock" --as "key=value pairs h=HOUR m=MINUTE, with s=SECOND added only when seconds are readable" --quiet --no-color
h=11 m=4
